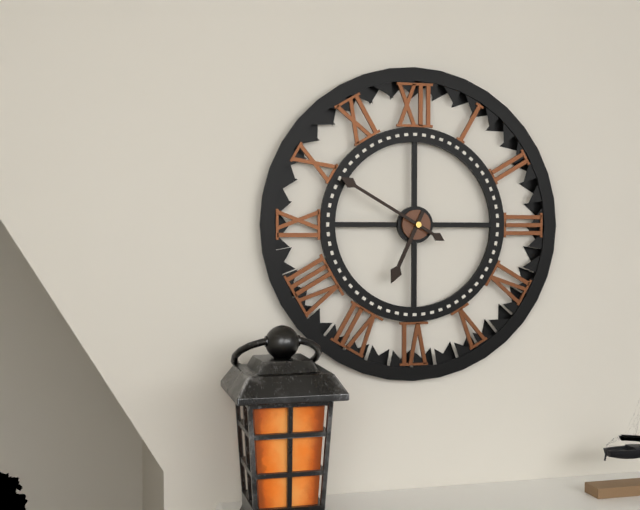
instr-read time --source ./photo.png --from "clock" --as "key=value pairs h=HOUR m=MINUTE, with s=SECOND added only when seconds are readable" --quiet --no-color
h=6 m=50
